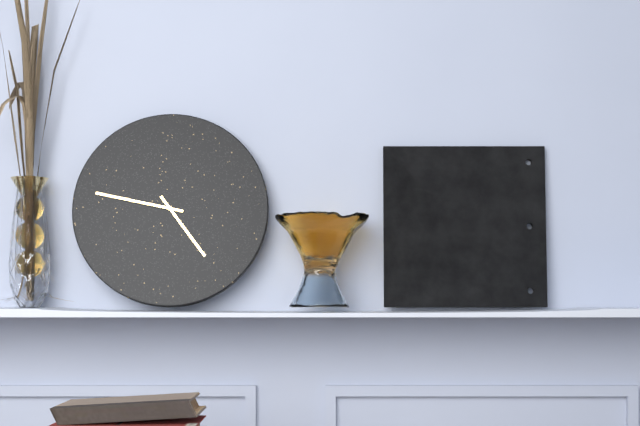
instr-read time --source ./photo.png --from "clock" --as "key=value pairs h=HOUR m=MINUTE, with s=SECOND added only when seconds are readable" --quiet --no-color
h=4 m=47
